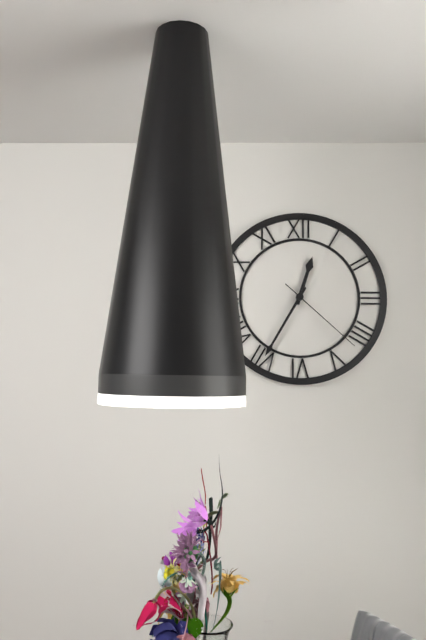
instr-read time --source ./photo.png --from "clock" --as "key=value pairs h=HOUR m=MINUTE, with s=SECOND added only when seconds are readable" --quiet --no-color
h=12 m=35 s=22
